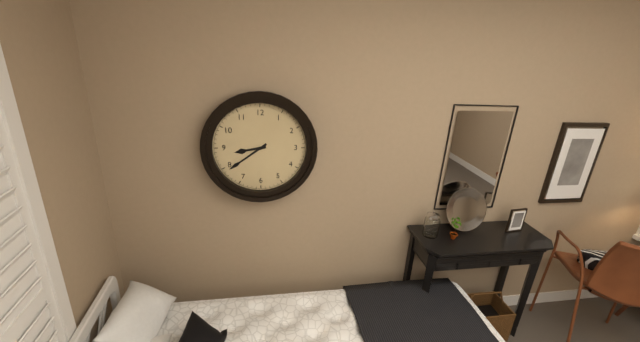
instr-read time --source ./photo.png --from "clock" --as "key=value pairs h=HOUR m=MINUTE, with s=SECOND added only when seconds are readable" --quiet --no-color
h=8 m=39
